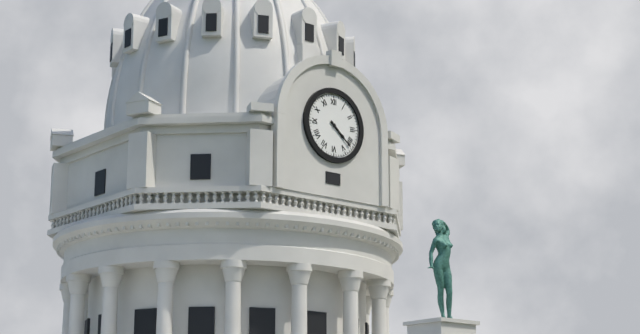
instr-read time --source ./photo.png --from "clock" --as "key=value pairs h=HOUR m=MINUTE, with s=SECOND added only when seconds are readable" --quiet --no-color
h=4 m=22
